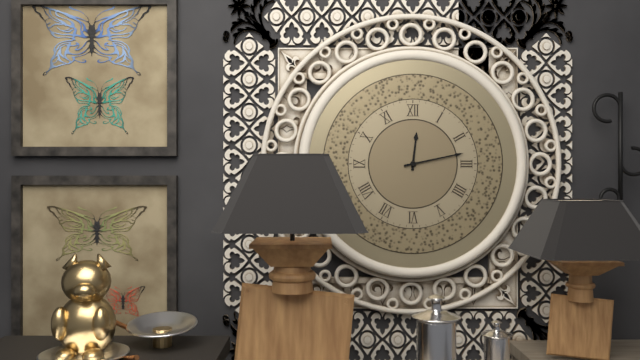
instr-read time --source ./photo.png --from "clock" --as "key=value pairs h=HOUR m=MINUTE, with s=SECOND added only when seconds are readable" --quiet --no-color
h=12 m=13
